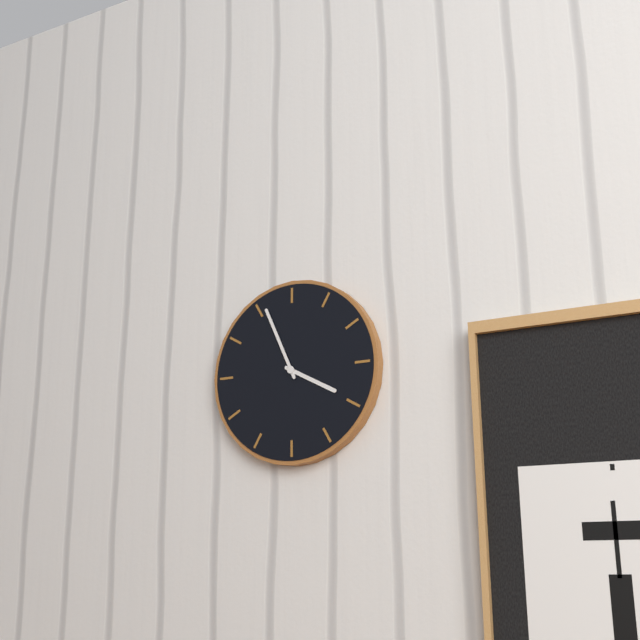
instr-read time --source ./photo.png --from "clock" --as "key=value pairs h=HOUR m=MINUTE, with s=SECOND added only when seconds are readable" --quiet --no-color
h=3 m=56
